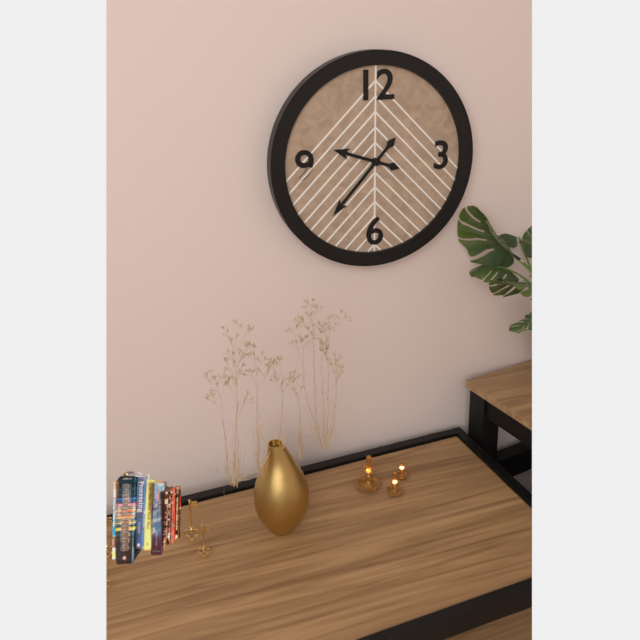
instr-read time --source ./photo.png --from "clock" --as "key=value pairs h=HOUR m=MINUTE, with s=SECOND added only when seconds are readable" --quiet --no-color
h=9 m=37
